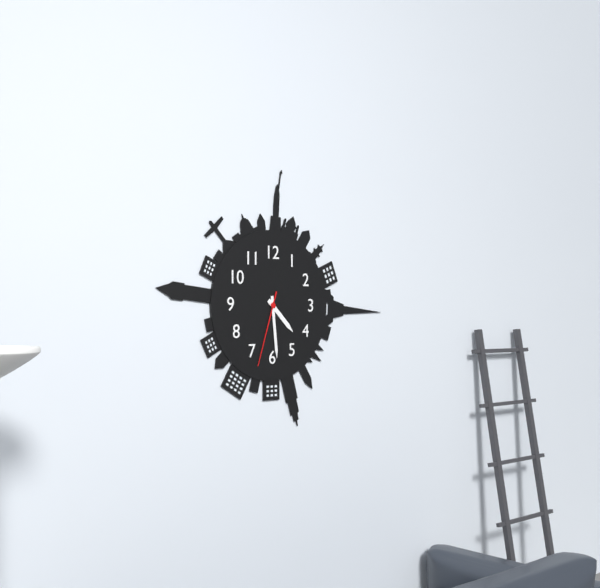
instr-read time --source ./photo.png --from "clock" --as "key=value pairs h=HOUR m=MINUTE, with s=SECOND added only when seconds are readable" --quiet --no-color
h=4 m=29 s=33
